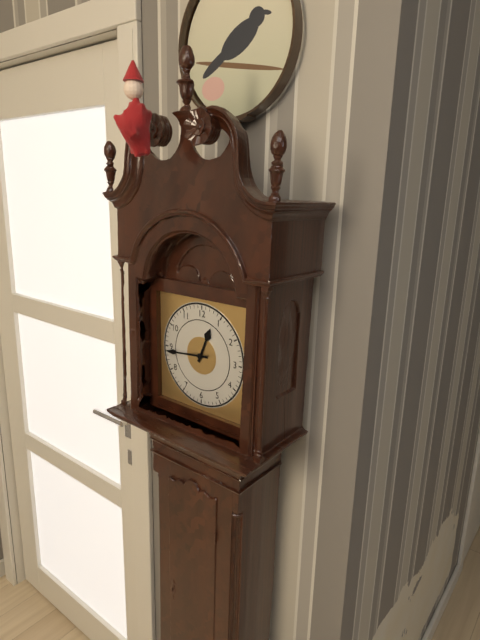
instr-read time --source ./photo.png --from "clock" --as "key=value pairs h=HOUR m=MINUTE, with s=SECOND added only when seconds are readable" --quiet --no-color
h=12 m=44
